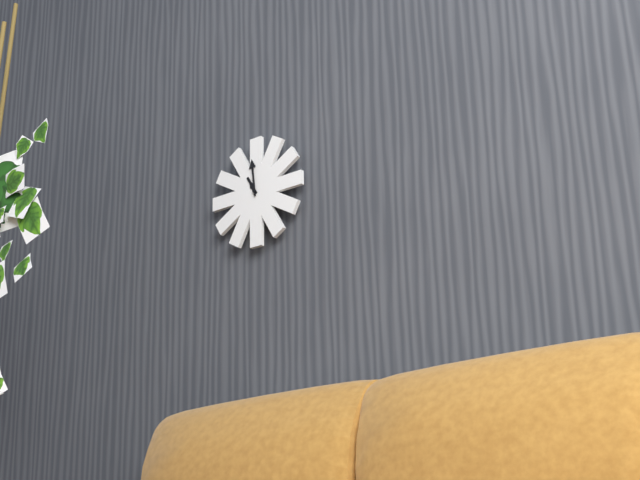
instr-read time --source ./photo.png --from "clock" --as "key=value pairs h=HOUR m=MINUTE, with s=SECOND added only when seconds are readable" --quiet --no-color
h=10 m=59
